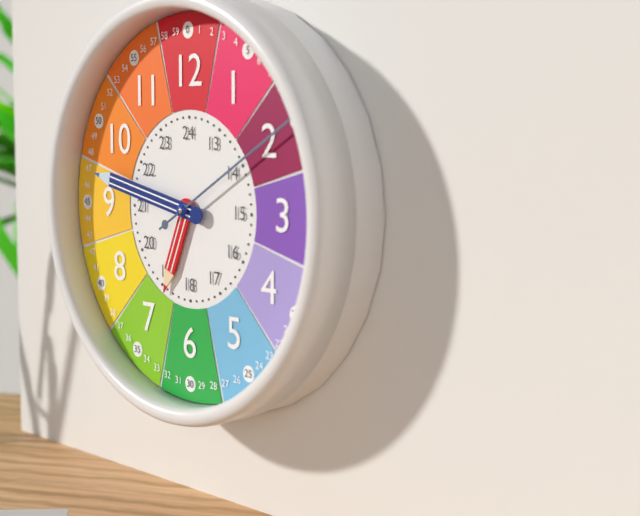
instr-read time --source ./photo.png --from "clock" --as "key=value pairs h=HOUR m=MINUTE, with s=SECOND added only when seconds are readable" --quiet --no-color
h=6 m=47 s=10
